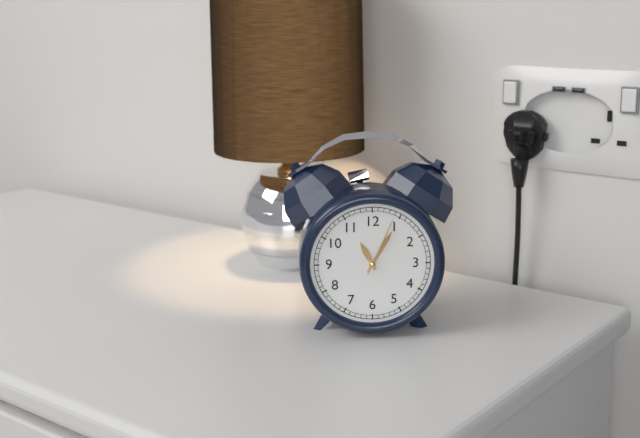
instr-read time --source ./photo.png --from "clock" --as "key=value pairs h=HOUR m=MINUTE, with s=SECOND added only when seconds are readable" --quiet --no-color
h=11 m=5 s=4
